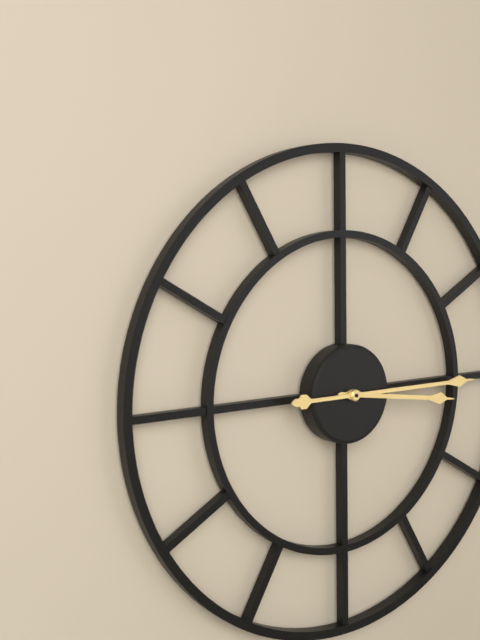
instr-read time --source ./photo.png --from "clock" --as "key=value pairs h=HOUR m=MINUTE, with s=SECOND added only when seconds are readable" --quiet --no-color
h=3 m=15
